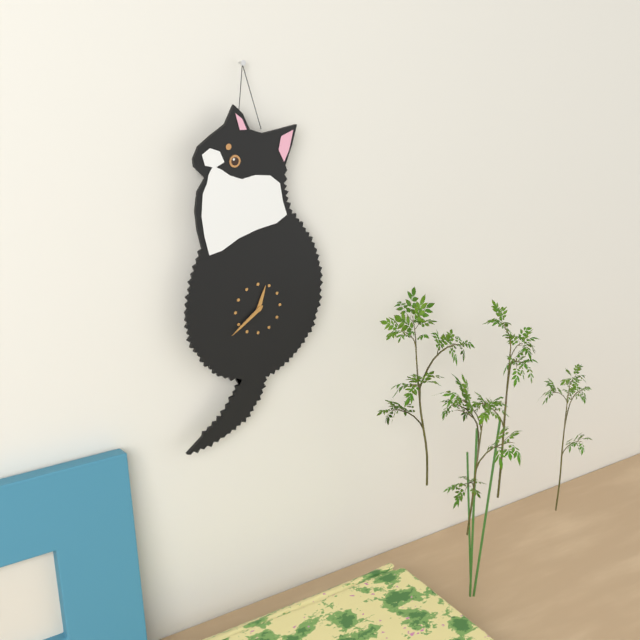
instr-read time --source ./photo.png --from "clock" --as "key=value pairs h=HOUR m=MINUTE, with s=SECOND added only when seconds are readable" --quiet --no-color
h=12 m=39
